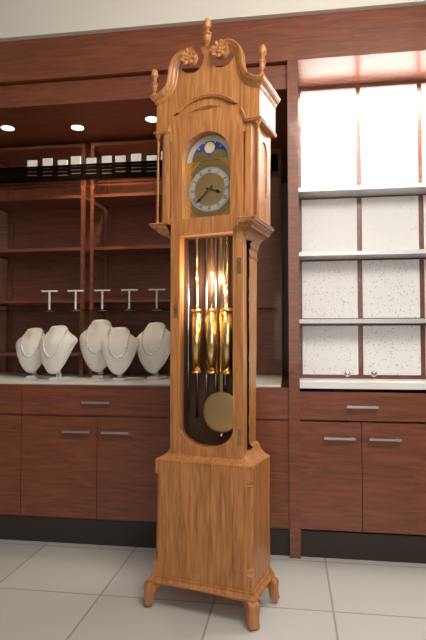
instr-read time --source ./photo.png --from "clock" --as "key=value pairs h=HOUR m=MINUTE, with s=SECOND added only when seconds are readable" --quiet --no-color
h=3 m=38
